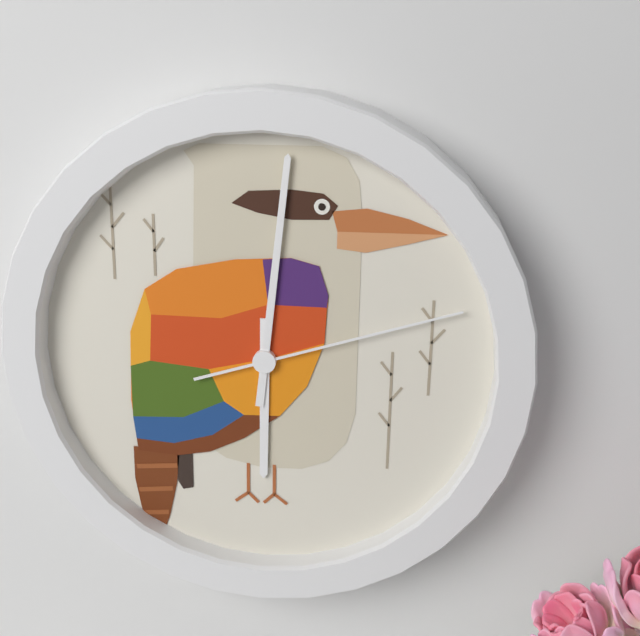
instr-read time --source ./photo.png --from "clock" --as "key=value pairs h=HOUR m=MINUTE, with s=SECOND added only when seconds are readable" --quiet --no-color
h=6 m=1 s=12
